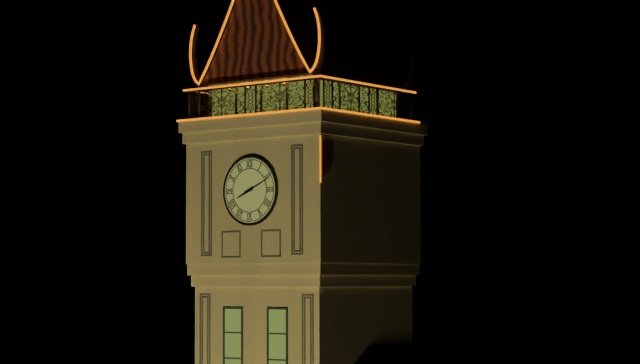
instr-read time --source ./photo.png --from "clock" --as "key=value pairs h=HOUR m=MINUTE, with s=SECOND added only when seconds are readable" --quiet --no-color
h=8 m=11
